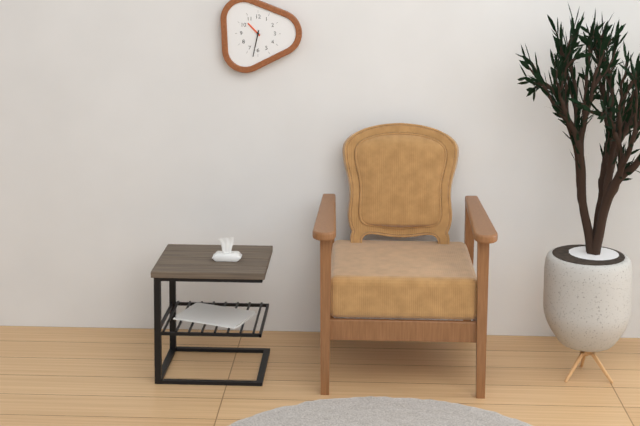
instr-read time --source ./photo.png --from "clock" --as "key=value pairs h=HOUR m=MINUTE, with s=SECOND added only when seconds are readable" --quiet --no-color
h=10 m=32
